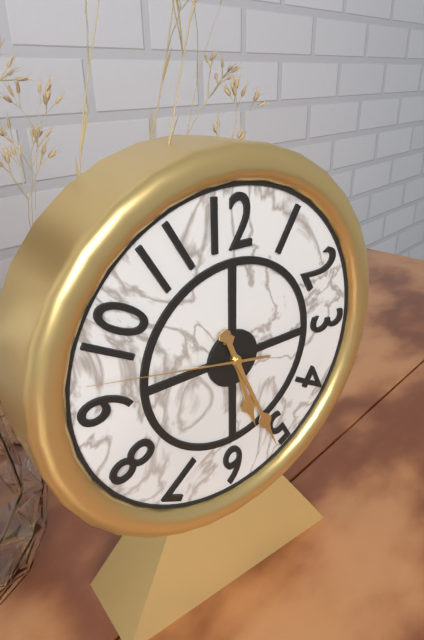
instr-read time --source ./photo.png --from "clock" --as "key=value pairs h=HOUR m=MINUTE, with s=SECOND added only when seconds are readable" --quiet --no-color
h=5 m=26 s=47
